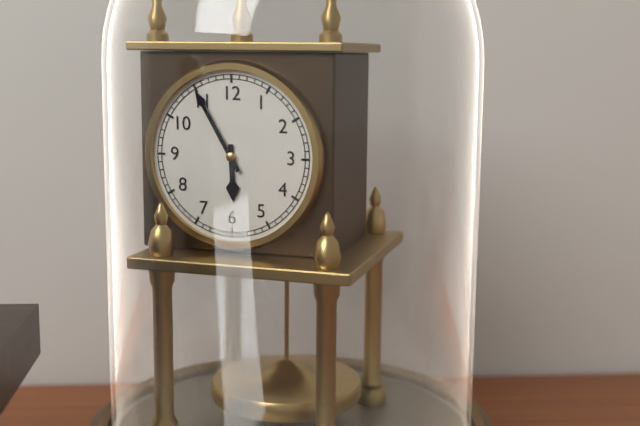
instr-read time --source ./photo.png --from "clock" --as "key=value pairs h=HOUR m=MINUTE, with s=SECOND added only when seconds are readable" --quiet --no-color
h=5 m=55
